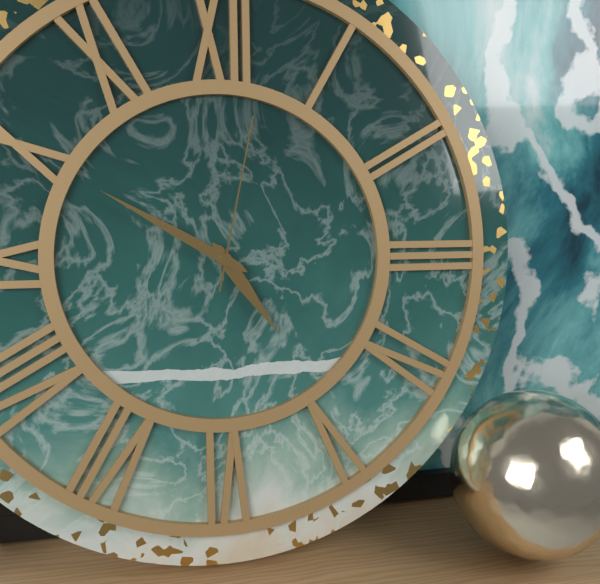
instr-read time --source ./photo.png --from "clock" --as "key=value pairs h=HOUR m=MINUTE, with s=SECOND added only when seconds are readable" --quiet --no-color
h=4 m=50 s=2
